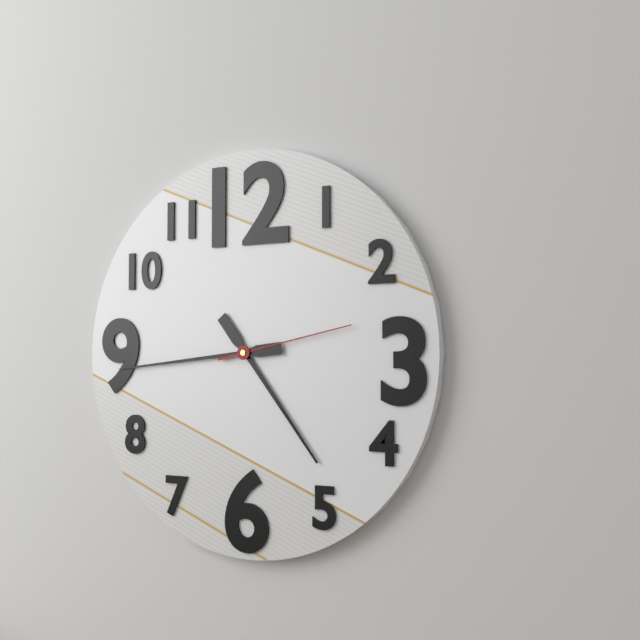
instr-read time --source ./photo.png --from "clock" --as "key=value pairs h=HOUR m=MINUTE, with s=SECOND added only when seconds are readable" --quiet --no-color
h=4 m=44 s=13
